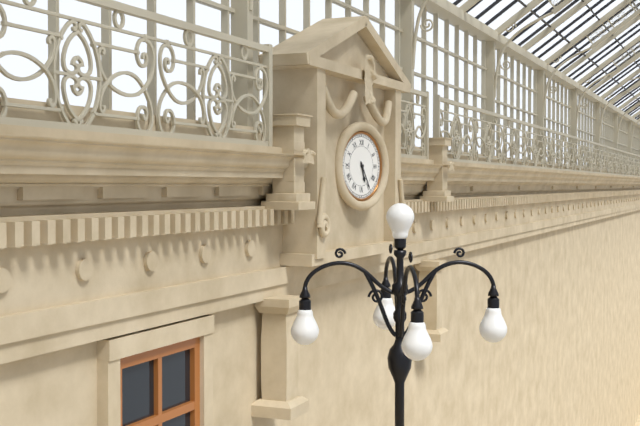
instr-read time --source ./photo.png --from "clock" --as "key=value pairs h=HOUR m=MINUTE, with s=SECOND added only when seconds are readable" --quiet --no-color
h=5 m=25
